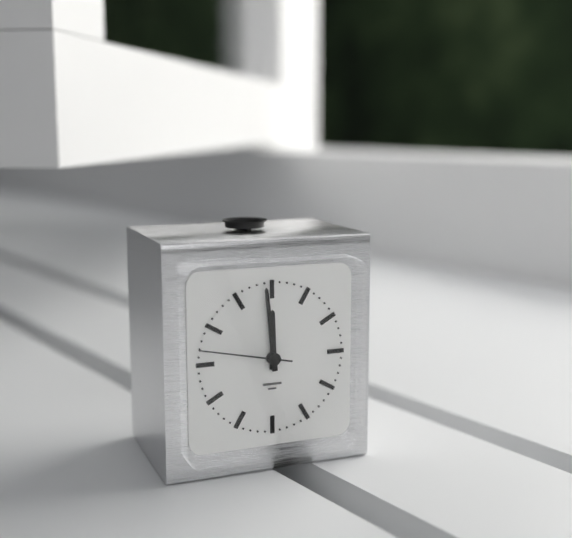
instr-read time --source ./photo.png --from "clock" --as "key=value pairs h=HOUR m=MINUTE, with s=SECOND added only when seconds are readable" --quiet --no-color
h=11 m=59 s=47
